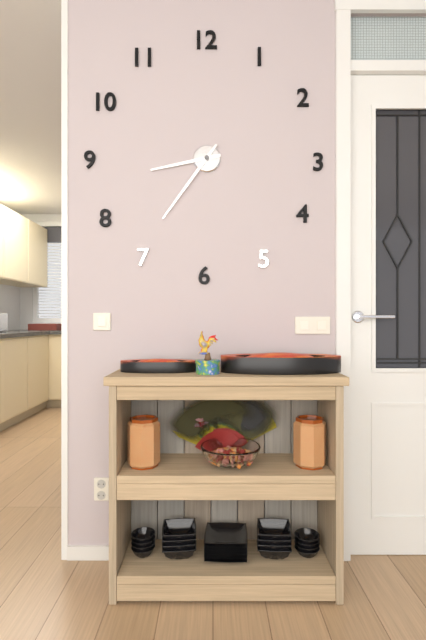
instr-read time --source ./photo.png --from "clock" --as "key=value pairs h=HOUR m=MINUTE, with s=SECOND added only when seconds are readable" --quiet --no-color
h=8 m=36
